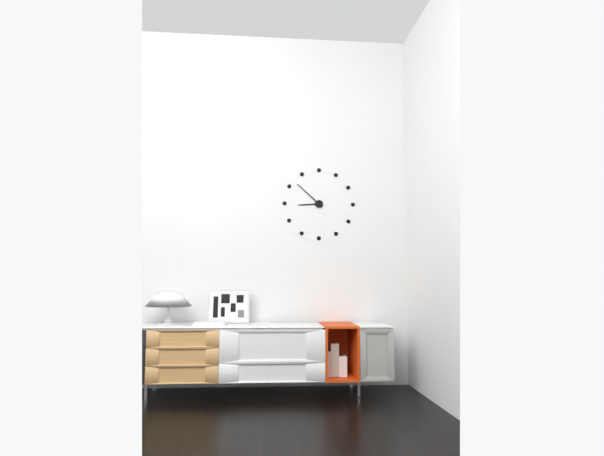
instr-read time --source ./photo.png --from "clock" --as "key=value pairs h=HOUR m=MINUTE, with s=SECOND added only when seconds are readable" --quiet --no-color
h=8 m=52
